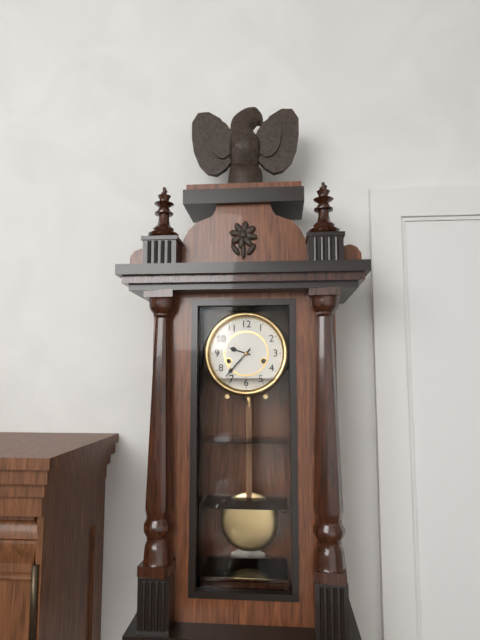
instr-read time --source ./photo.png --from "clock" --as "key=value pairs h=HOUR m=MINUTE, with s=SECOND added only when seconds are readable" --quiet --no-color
h=9 m=37
